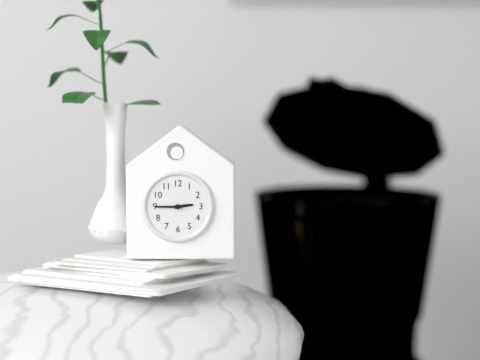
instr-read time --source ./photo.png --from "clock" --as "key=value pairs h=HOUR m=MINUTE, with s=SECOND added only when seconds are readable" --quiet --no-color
h=2 m=45
